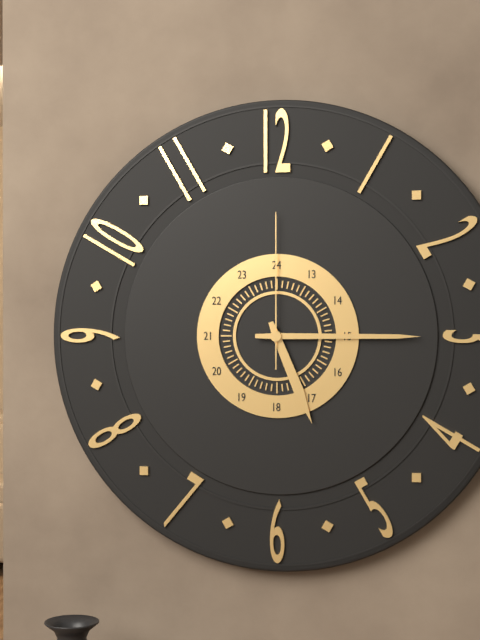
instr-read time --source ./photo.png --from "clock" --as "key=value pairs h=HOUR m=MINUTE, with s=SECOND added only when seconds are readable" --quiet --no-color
h=5 m=15 s=0
